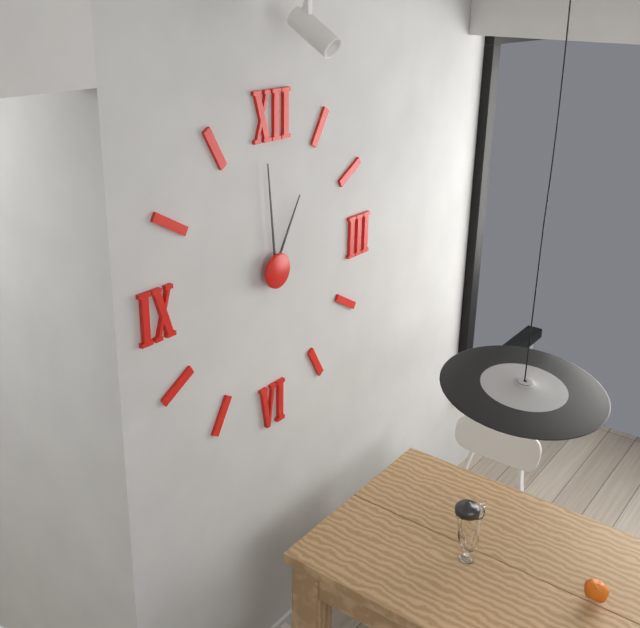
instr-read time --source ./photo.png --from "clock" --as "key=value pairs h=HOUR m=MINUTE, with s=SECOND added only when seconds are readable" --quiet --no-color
h=12 m=59
